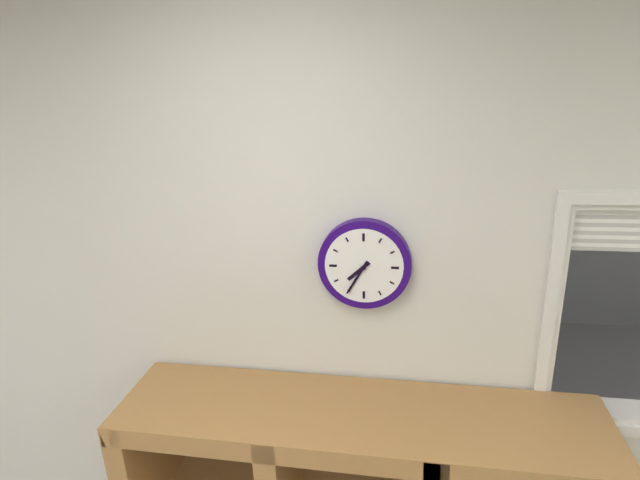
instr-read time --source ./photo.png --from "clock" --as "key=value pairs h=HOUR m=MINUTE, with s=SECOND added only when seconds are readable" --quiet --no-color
h=7 m=35
